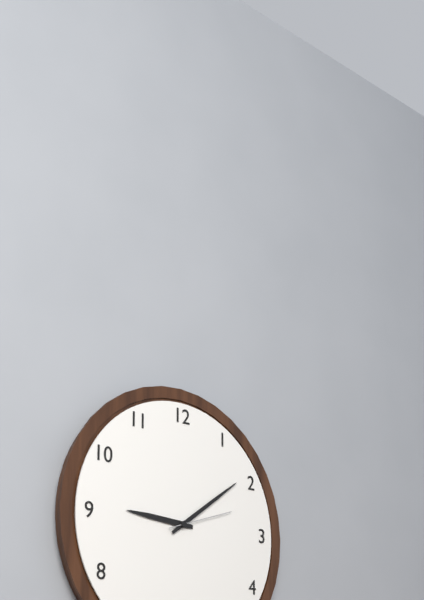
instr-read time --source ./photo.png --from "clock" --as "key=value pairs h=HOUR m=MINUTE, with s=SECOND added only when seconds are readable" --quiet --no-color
h=9 m=9 s=12
